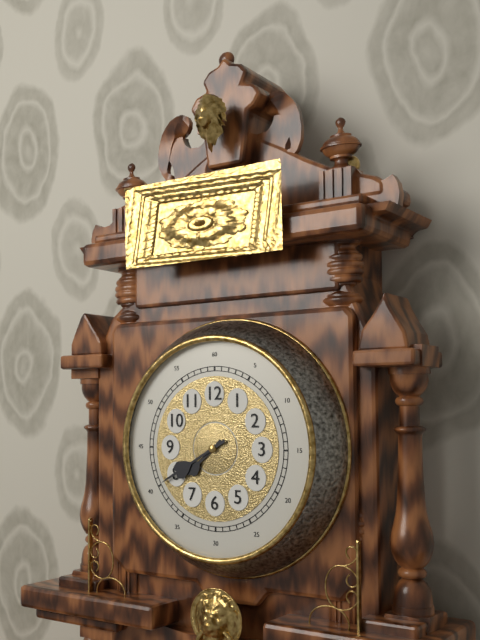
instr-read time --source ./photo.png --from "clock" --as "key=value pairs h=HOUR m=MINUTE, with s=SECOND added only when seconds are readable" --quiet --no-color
h=7 m=40
